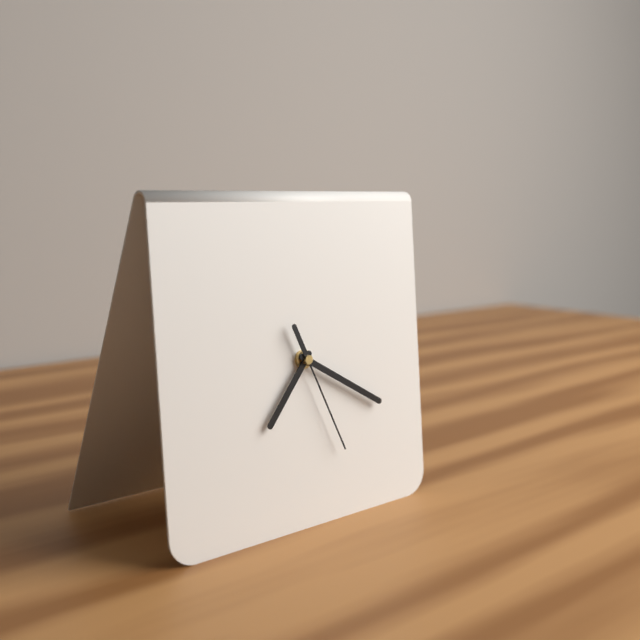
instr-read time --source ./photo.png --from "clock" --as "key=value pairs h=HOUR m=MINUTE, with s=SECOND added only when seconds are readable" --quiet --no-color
h=7 m=20 s=26
